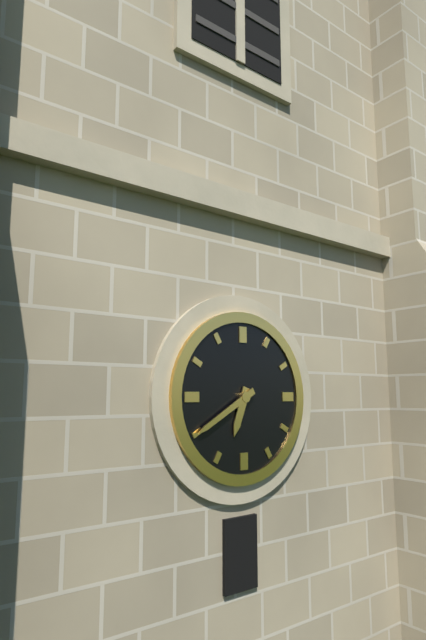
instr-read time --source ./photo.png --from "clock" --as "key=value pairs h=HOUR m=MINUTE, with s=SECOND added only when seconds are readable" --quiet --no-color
h=6 m=40
